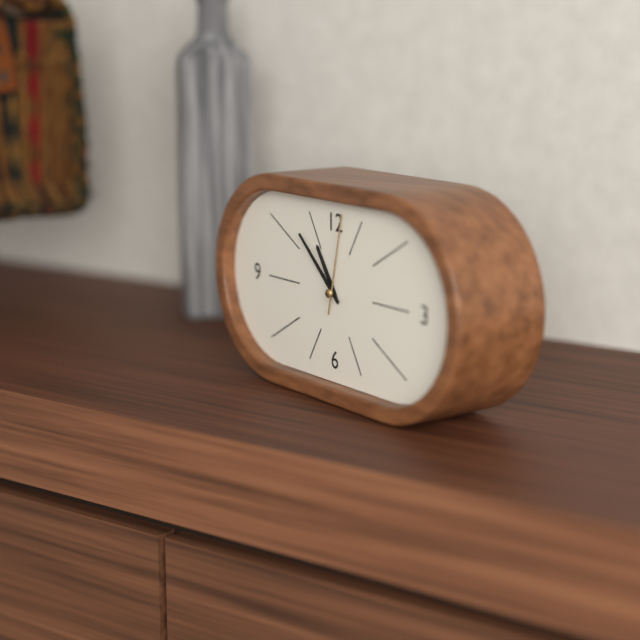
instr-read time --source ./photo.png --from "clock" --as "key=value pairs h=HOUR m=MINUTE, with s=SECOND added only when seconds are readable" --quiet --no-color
h=10 m=52 s=2
